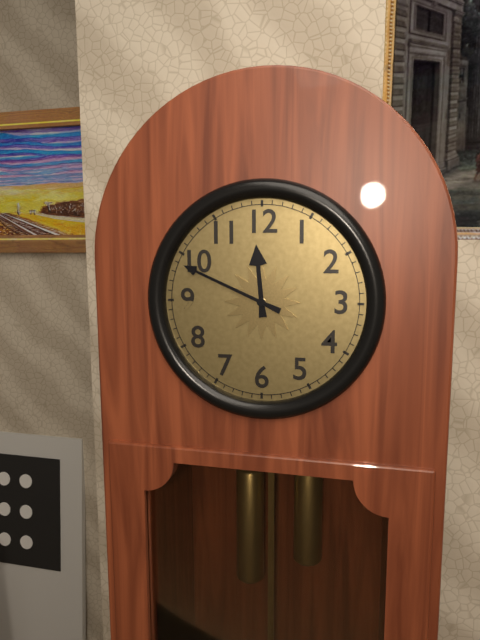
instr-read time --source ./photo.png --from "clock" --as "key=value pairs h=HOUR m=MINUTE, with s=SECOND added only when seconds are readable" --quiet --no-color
h=11 m=49
